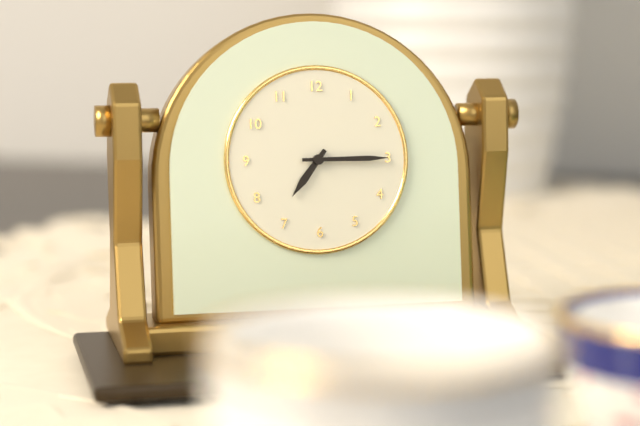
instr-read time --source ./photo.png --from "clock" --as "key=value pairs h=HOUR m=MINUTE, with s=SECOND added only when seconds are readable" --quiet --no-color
h=7 m=15
